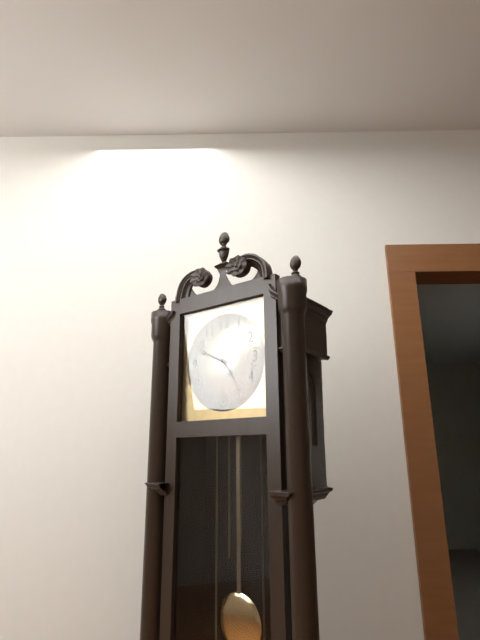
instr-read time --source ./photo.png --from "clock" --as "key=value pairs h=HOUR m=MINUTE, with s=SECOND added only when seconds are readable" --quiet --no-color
h=4 m=49
